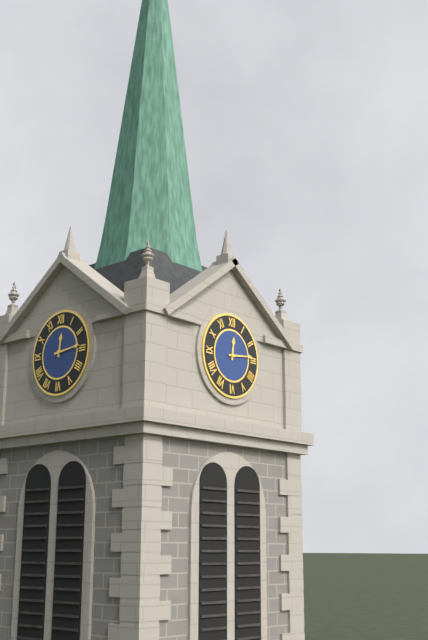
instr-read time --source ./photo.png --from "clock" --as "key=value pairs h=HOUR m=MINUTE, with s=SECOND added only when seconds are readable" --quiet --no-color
h=12 m=14
